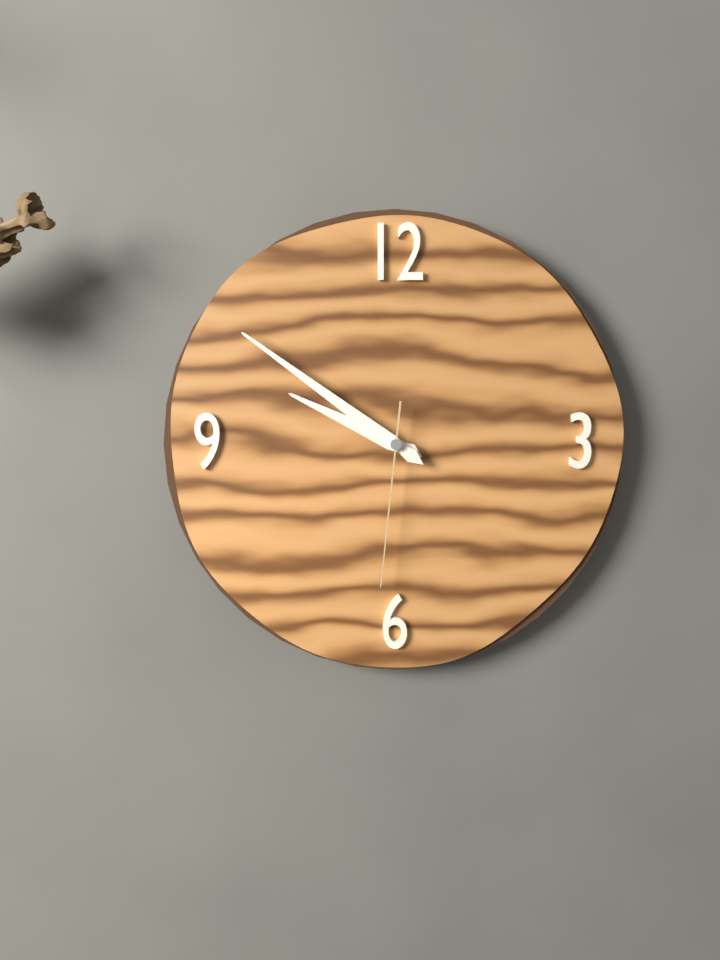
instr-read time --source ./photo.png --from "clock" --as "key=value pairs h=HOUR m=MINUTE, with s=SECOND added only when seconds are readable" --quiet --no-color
h=9 m=51 s=31
